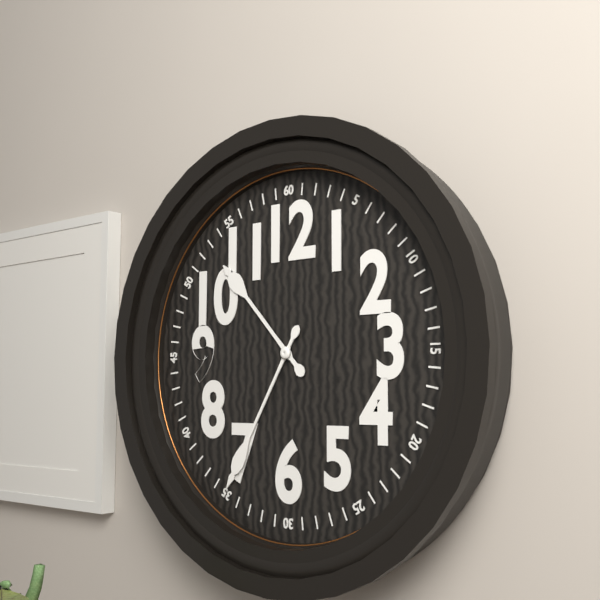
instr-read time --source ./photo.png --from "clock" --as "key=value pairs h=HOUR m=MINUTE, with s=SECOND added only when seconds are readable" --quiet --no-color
h=10 m=35
